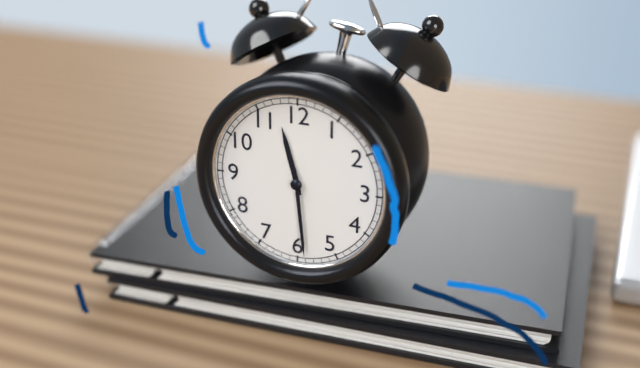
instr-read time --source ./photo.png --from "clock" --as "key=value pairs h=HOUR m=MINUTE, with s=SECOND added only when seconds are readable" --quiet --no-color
h=11 m=29
